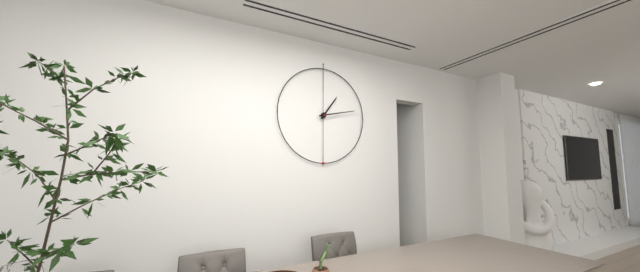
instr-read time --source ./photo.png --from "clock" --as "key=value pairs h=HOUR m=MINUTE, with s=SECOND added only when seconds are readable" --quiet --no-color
h=1 m=13
